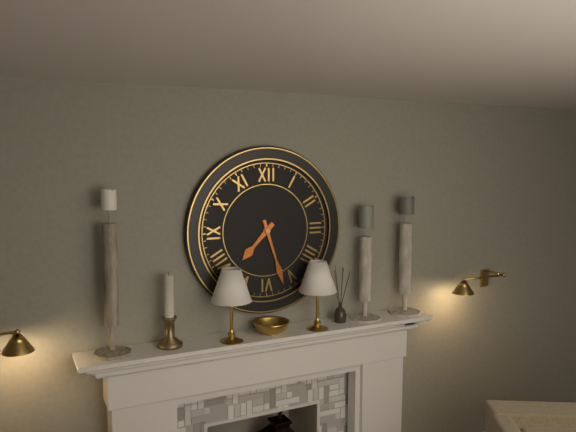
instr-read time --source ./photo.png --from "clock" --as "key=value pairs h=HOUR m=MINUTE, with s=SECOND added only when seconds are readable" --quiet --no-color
h=7 m=27
